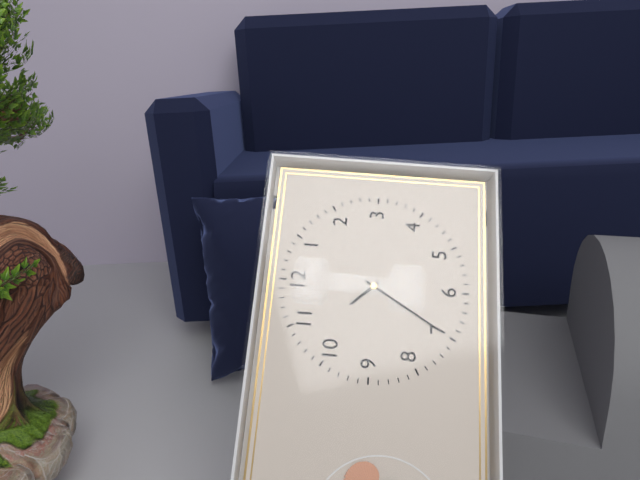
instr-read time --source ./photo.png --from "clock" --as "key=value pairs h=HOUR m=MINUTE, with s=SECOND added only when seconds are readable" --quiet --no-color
h=10 m=35
